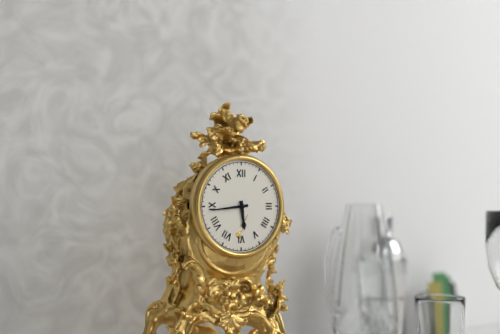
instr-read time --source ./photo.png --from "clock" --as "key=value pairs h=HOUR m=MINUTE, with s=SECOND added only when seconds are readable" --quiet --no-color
h=5 m=44
